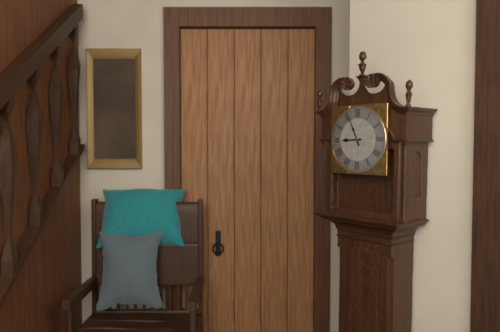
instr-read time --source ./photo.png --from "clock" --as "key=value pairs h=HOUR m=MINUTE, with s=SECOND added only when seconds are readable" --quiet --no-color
h=8 m=56
